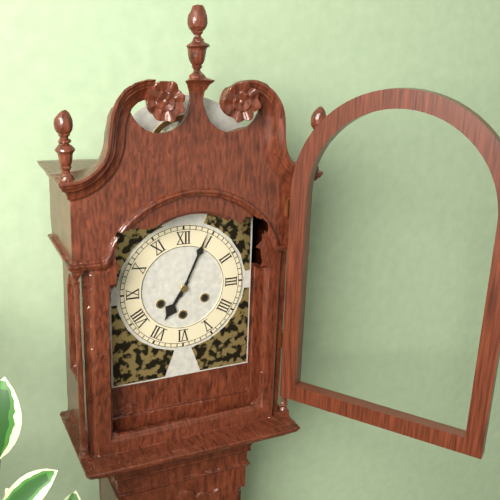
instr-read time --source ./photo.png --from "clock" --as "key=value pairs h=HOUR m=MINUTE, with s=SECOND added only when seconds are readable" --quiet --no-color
h=7 m=4
